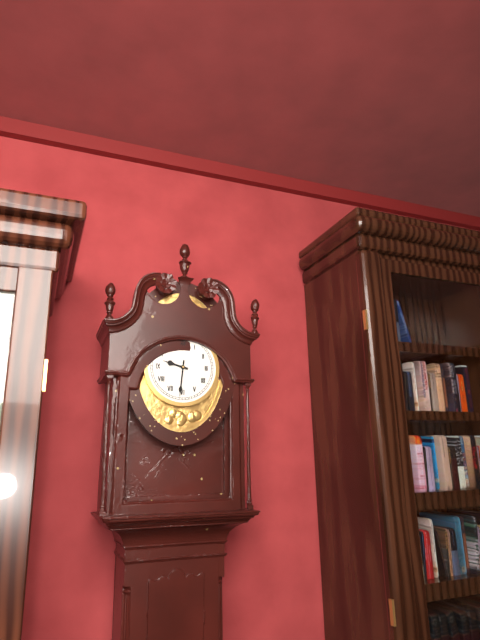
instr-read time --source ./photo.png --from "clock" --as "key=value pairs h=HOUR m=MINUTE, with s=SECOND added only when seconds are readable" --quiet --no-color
h=9 m=31
